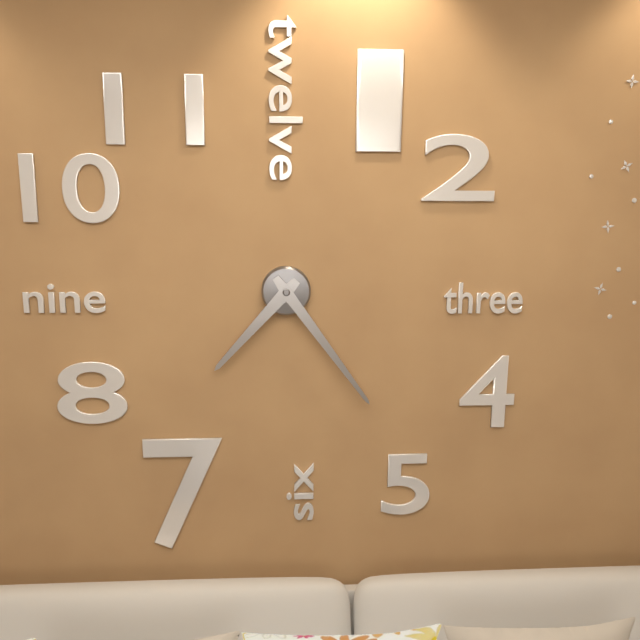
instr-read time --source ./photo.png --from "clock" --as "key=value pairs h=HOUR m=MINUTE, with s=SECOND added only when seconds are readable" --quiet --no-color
h=7 m=24
